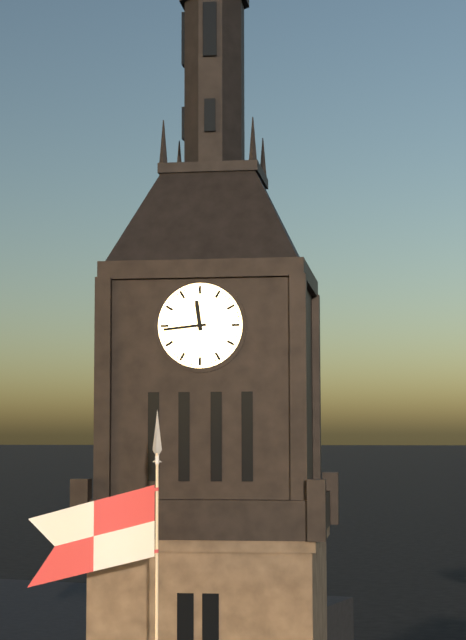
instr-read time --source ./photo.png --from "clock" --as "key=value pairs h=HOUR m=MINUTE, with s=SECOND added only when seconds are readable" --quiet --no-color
h=11 m=44
